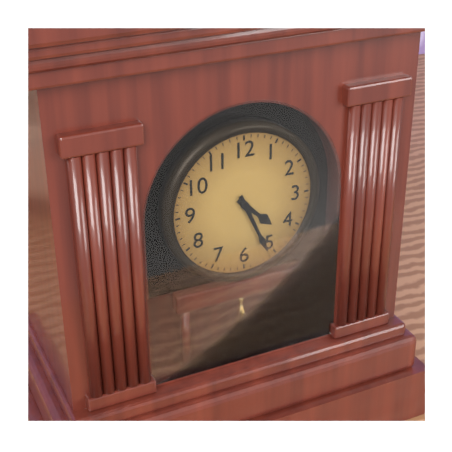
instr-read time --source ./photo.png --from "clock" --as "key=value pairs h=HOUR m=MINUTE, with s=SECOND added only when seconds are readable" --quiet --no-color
h=4 m=26
